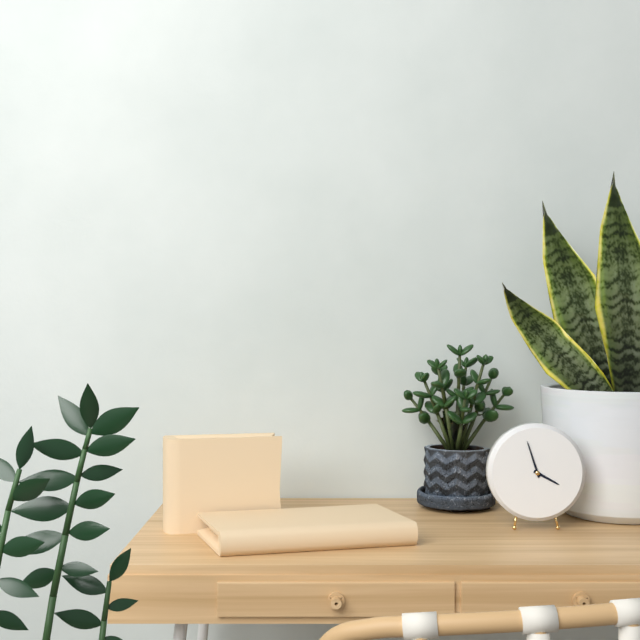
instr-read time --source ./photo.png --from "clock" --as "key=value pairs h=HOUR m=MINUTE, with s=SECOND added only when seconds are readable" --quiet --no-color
h=3 m=57
